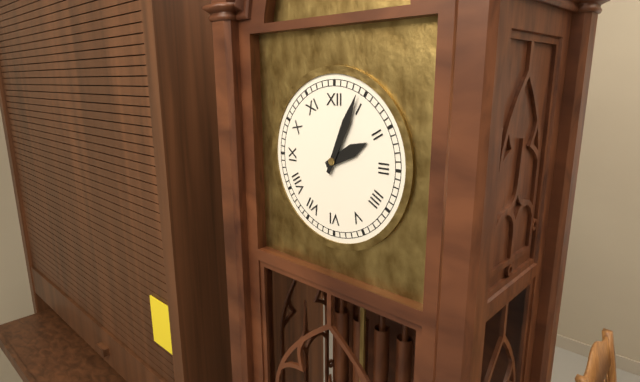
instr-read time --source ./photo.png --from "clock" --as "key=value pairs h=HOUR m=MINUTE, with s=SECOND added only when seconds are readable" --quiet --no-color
h=2 m=4
